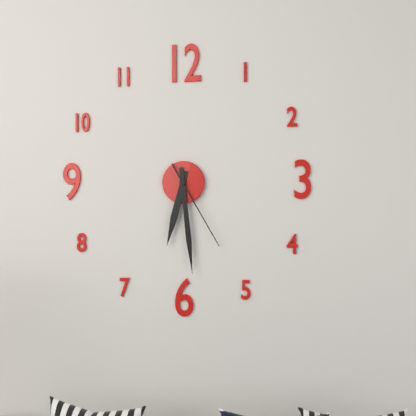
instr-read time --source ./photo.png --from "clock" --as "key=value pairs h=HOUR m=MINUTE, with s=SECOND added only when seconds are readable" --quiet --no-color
h=6 m=29 s=25
